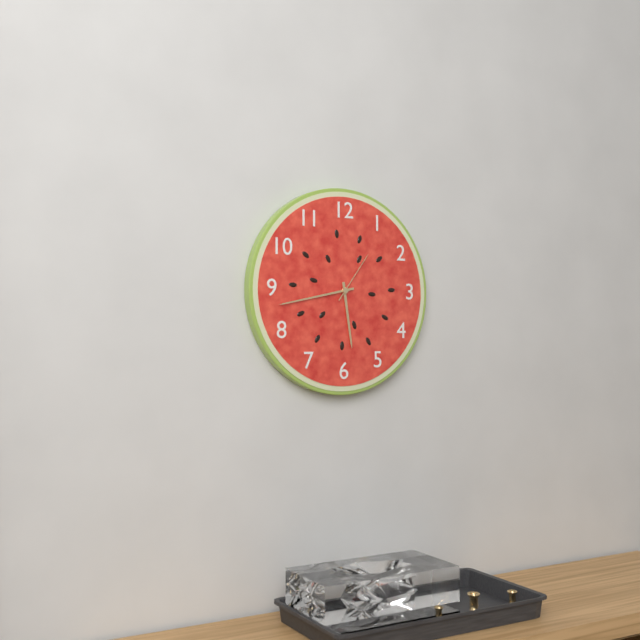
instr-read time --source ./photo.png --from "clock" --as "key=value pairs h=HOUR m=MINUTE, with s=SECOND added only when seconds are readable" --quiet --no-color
h=5 m=43 s=6
